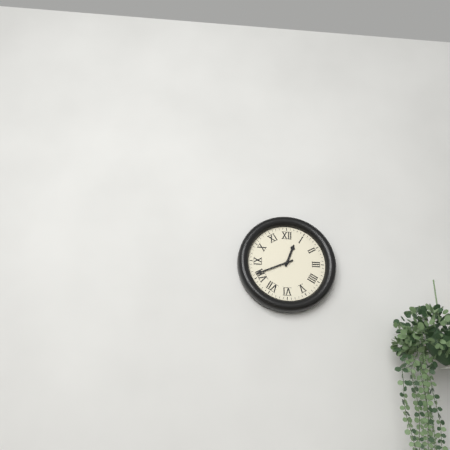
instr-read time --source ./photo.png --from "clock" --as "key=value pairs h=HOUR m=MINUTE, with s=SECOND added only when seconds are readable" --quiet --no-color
h=12 m=41
